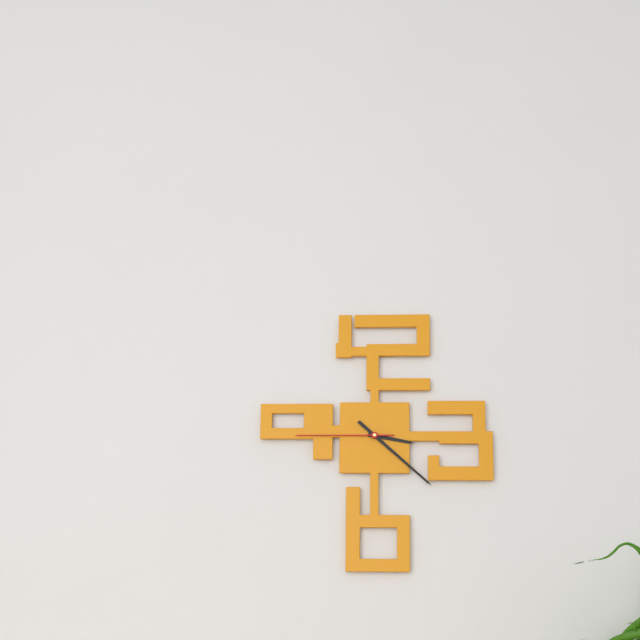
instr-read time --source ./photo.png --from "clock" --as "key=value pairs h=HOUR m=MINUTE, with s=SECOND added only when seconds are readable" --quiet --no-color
h=3 m=22 s=45
